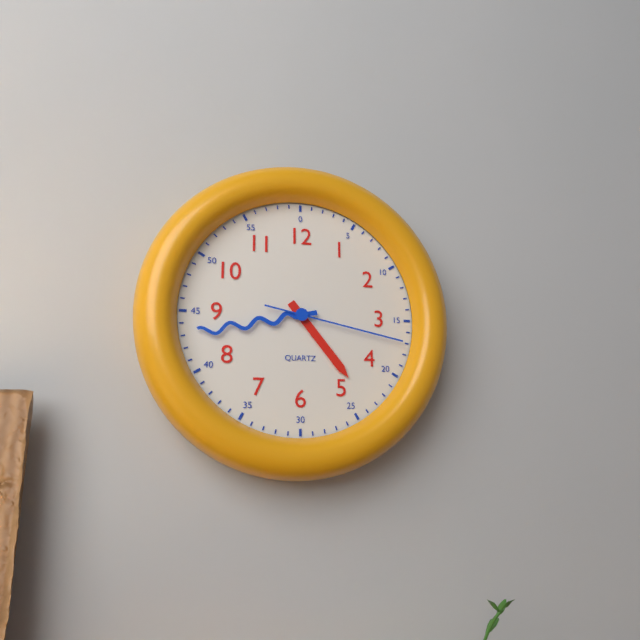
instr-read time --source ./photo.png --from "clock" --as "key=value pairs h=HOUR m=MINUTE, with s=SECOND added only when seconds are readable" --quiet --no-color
h=4 m=43 s=17
